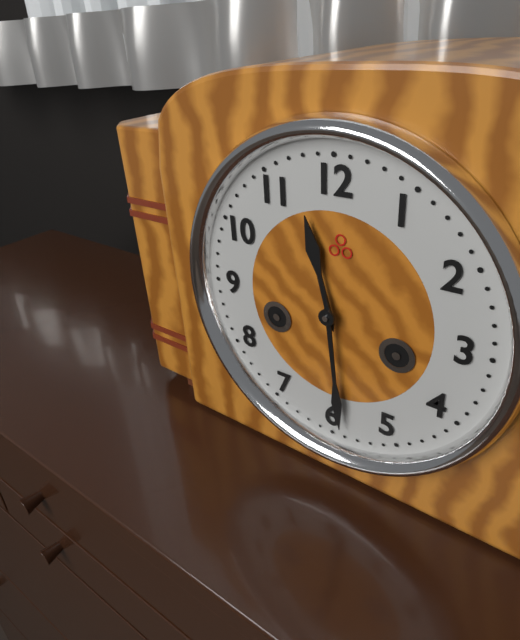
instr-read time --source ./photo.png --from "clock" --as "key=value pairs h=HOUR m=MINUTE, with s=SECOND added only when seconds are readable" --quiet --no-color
h=11 m=29
